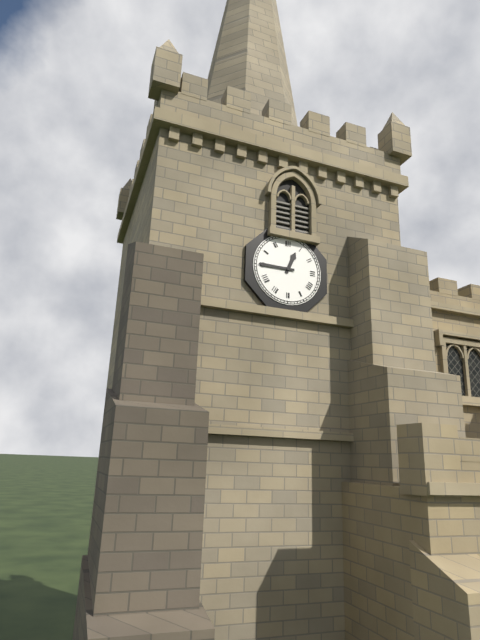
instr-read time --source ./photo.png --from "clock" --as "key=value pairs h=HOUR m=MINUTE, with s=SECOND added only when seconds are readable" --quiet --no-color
h=12 m=45
